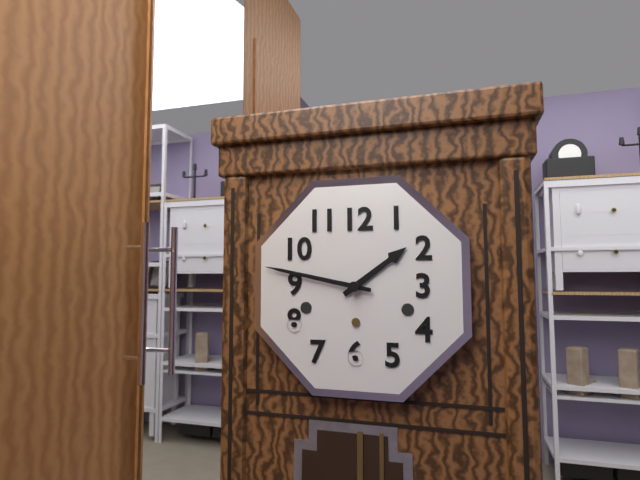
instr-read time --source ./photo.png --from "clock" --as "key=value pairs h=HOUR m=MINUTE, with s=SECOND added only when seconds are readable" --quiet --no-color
h=1 m=47
